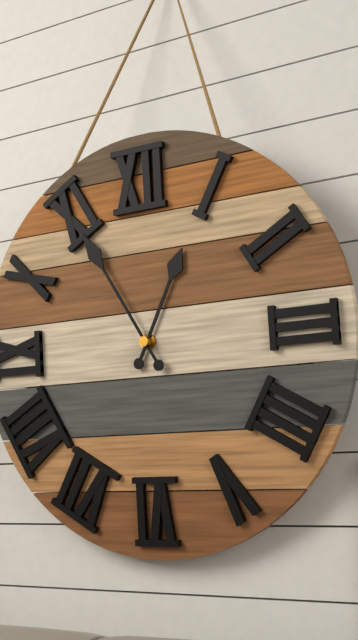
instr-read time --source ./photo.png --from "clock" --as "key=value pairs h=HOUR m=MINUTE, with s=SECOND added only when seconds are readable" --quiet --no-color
h=12 m=55
